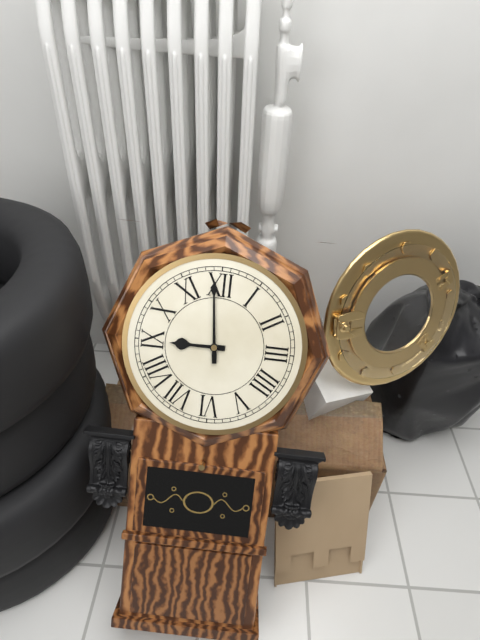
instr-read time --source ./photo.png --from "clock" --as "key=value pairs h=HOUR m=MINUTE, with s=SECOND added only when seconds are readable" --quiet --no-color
h=8 m=59
